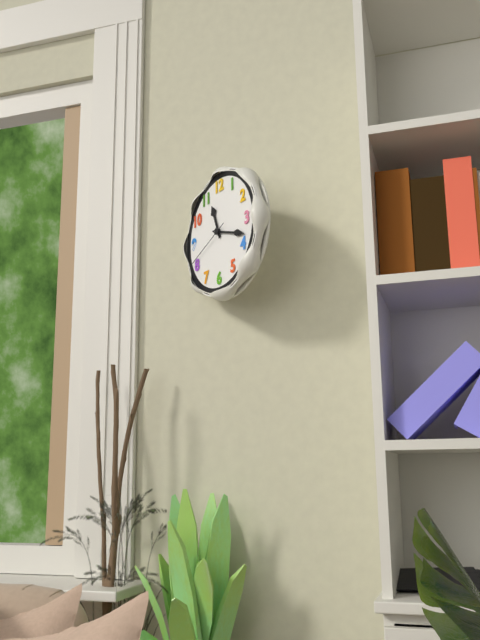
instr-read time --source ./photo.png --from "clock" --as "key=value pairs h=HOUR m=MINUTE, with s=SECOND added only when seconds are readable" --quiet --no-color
h=11 m=18 s=41
